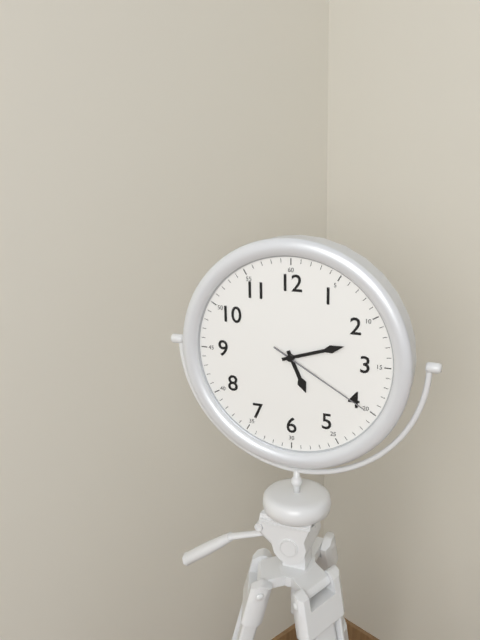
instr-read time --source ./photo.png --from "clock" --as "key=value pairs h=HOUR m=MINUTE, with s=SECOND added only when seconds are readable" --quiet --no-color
h=5 m=12 s=20
